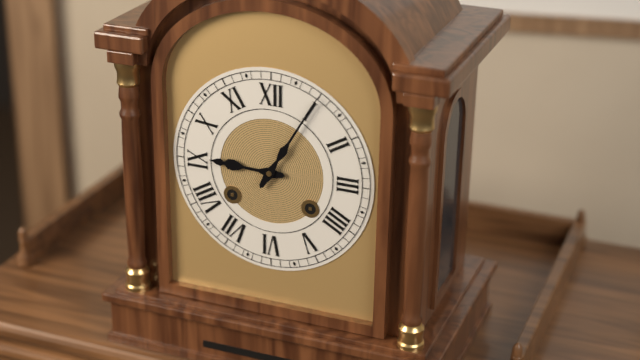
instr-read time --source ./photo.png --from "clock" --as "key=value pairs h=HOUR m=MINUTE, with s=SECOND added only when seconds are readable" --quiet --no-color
h=9 m=5
